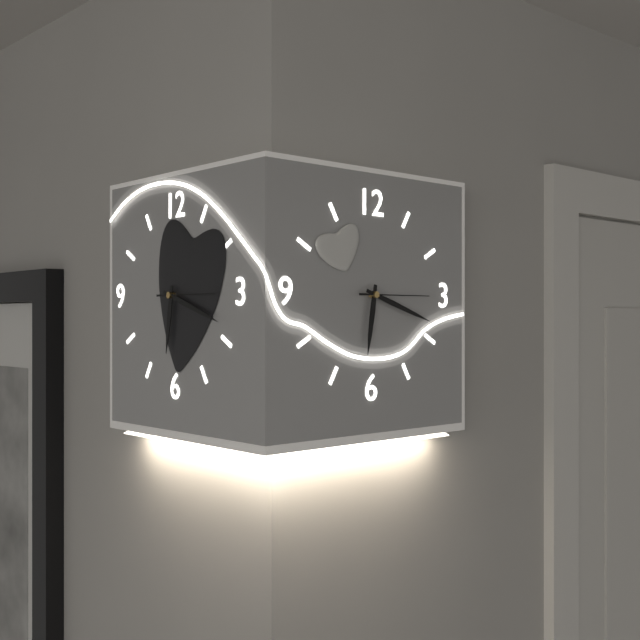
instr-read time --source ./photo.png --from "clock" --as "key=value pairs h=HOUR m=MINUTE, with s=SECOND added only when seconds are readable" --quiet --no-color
h=6 m=18 s=15
